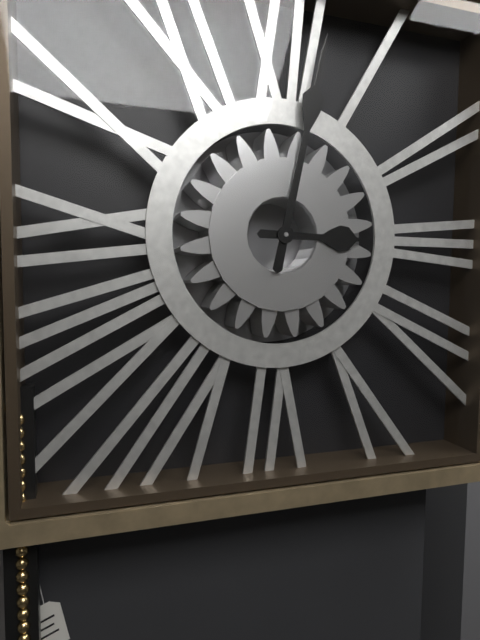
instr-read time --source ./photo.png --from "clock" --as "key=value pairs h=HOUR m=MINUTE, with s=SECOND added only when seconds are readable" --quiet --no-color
h=3 m=2
